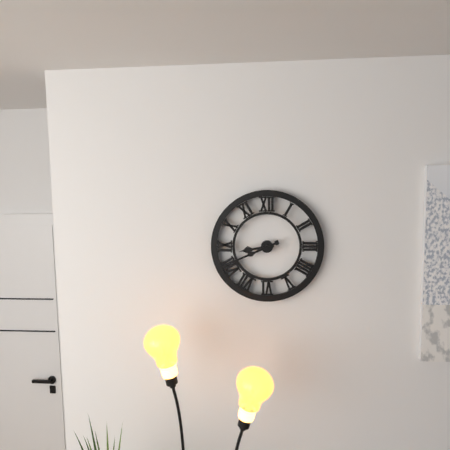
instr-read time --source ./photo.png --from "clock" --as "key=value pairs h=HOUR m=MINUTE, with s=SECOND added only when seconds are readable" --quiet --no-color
h=8 m=41
